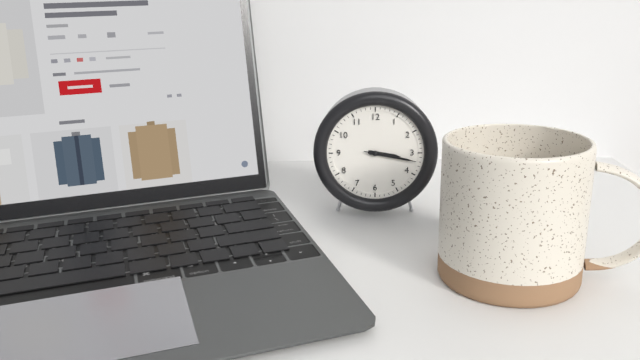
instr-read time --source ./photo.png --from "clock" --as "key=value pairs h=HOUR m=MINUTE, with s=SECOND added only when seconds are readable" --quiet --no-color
h=3 m=17 s=17
